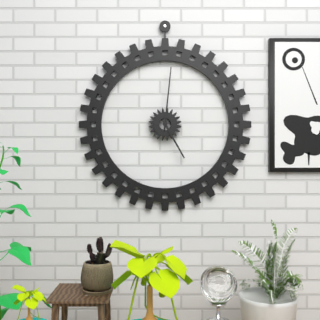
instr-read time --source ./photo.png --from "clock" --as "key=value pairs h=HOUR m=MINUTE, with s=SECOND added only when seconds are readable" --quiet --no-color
h=5 m=1
